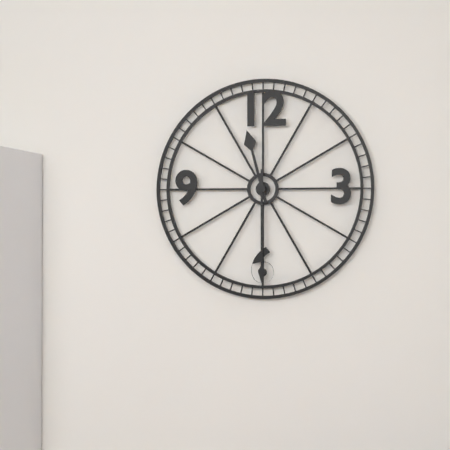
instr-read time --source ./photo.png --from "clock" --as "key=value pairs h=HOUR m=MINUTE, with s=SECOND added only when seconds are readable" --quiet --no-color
h=11 m=30
